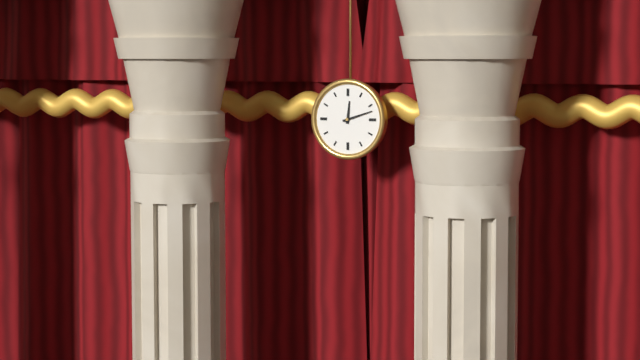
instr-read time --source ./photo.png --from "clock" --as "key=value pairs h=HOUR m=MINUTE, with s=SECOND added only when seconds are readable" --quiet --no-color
h=12 m=12
